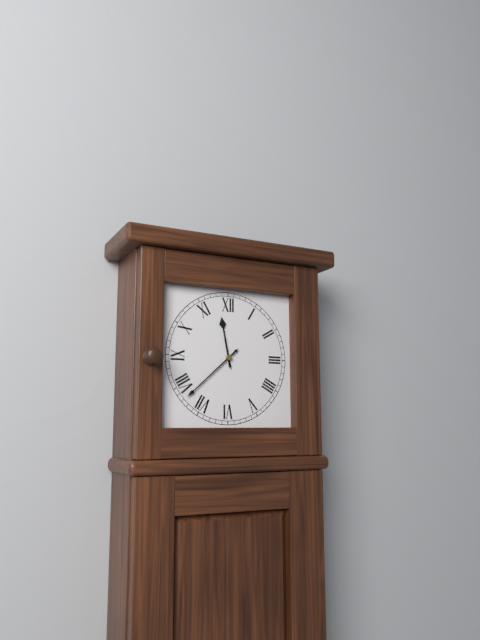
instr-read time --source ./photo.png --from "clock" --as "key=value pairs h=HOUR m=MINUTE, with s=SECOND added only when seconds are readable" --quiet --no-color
h=11 m=38
